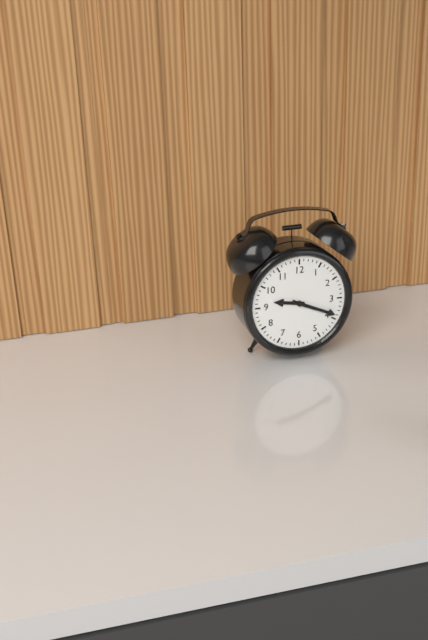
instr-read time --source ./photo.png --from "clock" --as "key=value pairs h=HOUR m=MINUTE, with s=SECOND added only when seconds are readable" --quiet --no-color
h=9 m=19
